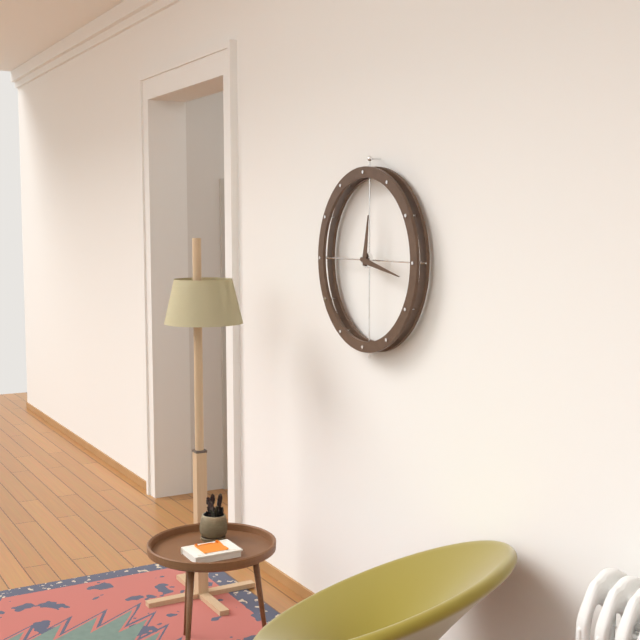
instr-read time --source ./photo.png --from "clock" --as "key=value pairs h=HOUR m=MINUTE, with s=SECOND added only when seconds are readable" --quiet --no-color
h=12 m=17
